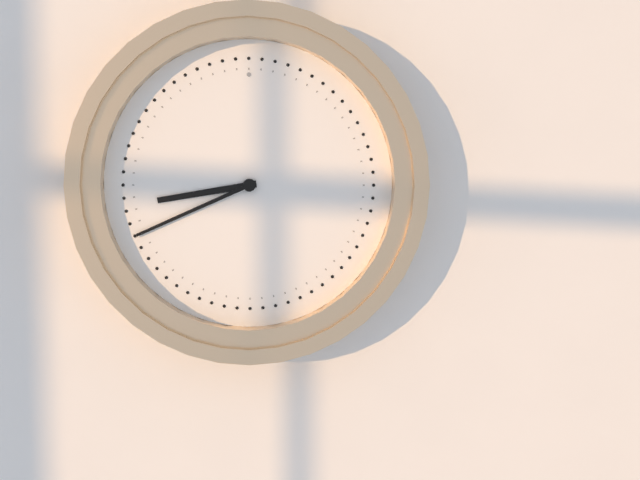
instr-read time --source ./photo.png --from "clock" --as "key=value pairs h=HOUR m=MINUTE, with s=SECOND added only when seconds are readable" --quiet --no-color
h=8 m=41
